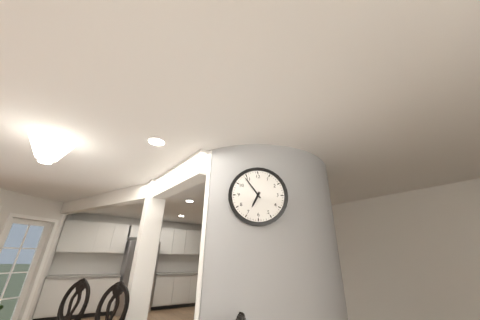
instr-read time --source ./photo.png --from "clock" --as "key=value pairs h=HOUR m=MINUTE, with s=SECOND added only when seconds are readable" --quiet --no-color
h=6 m=54
